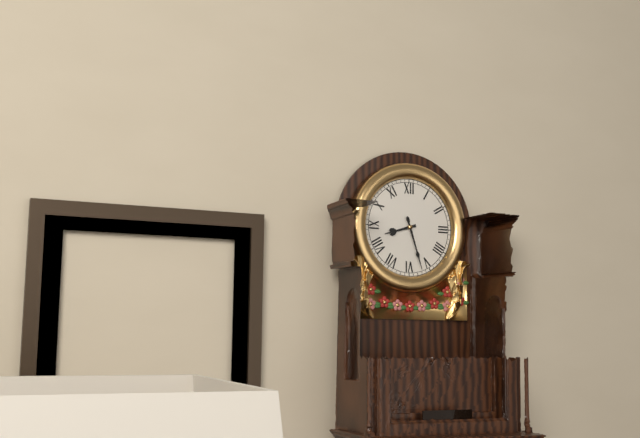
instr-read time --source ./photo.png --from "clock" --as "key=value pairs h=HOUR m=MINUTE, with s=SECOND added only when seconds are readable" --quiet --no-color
h=8 m=27
